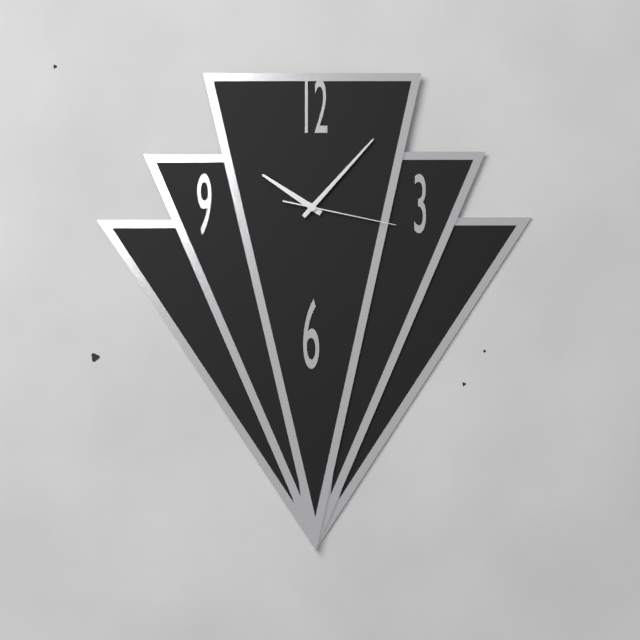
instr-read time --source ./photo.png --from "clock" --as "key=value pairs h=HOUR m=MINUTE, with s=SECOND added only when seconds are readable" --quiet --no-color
h=10 m=7 s=17
